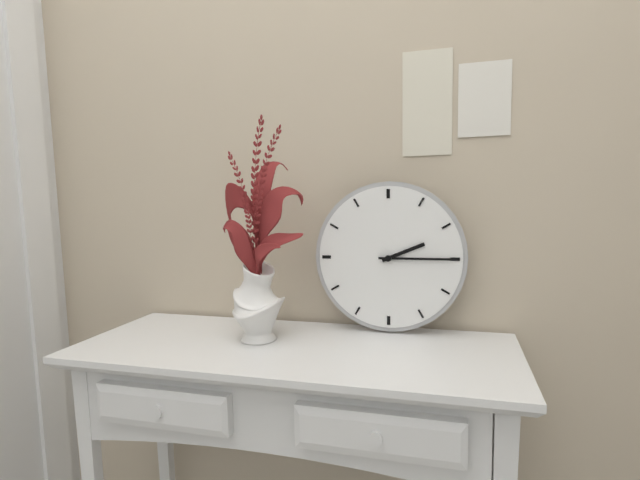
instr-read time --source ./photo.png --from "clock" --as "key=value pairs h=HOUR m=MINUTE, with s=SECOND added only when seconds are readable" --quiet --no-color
h=2 m=15
